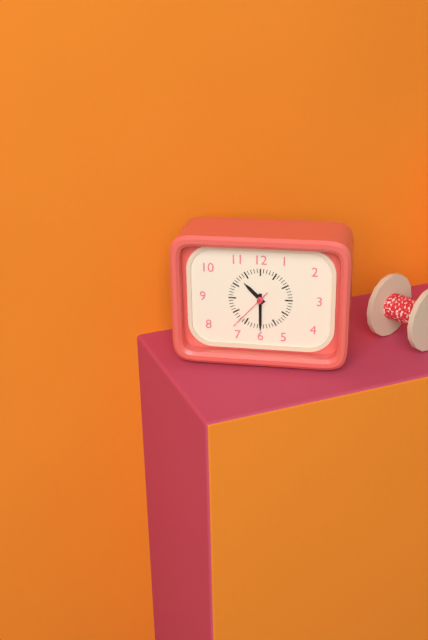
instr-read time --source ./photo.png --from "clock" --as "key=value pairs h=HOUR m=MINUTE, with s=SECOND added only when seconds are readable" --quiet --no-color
h=10 m=30
